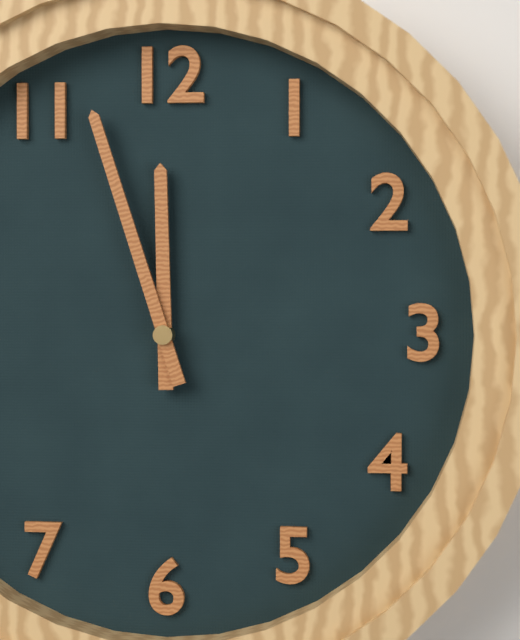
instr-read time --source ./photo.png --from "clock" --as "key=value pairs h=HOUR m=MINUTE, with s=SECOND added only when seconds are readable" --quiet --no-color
h=11 m=57
